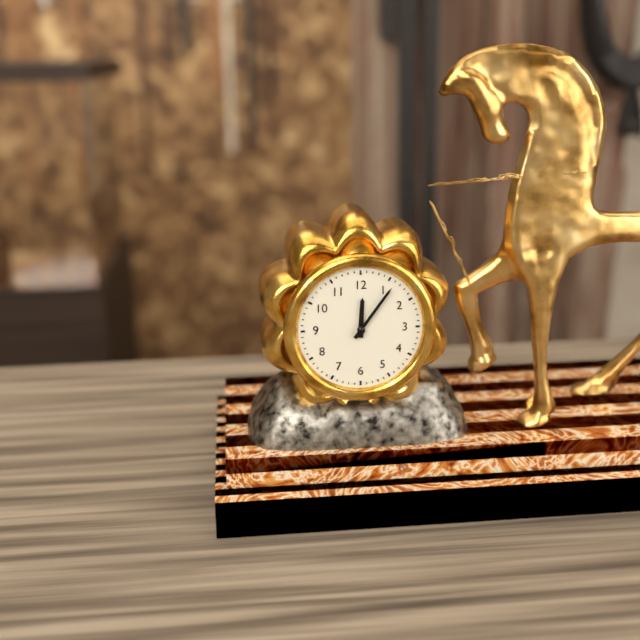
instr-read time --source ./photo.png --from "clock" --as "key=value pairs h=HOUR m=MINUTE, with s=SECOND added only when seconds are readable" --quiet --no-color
h=12 m=6
